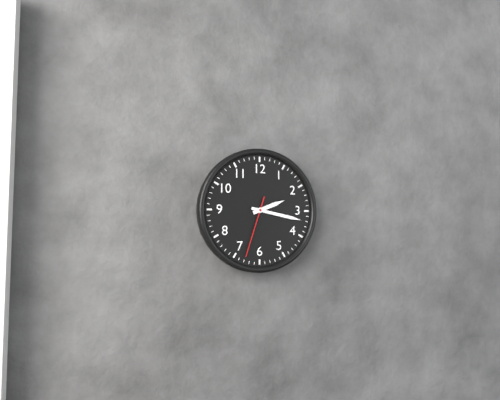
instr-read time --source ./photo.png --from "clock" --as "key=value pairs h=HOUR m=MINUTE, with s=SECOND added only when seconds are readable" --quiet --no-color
h=2 m=17 s=33
